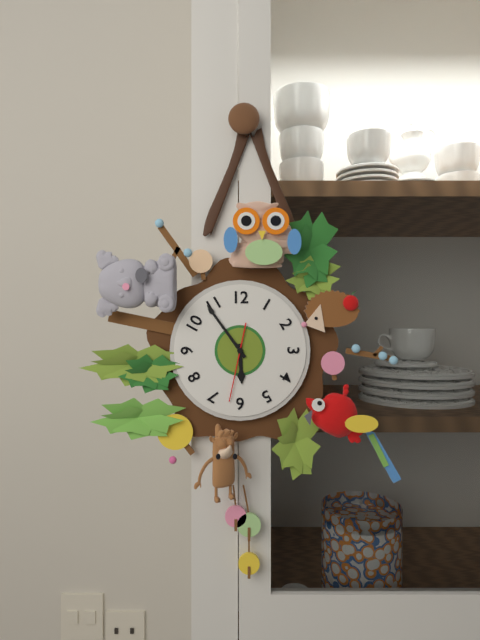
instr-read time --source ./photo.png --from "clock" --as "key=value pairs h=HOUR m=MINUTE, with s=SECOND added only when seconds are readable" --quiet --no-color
h=5 m=54 s=32
